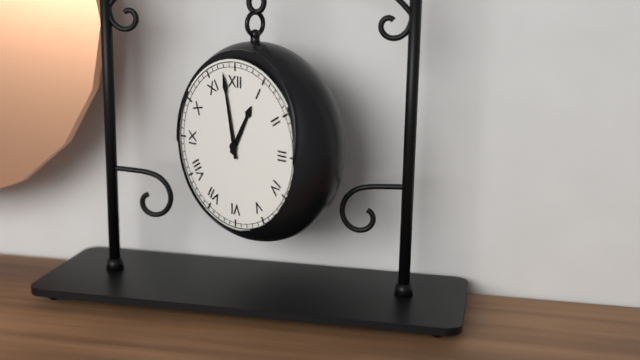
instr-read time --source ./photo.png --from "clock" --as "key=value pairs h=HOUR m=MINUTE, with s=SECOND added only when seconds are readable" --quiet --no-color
h=12 m=58
